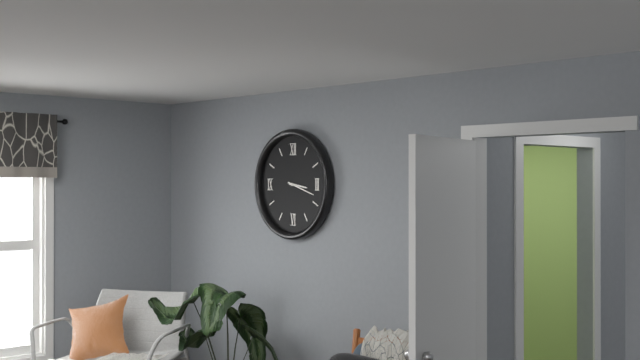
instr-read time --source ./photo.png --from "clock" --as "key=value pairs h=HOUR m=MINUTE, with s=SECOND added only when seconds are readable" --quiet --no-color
h=3 m=18
